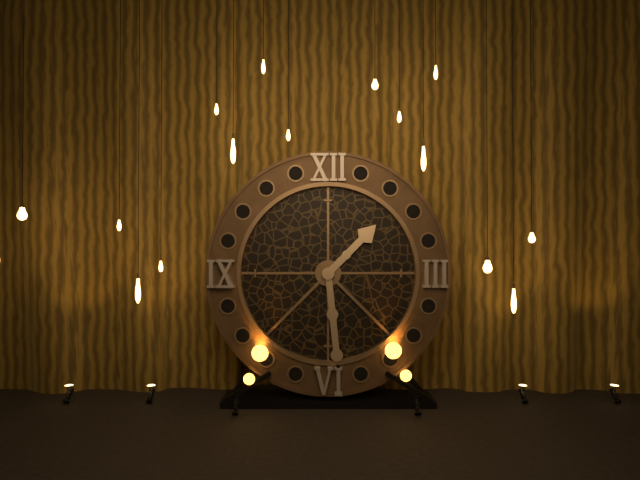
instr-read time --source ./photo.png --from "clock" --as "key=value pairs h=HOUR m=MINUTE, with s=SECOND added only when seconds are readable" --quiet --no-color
h=1 m=29
